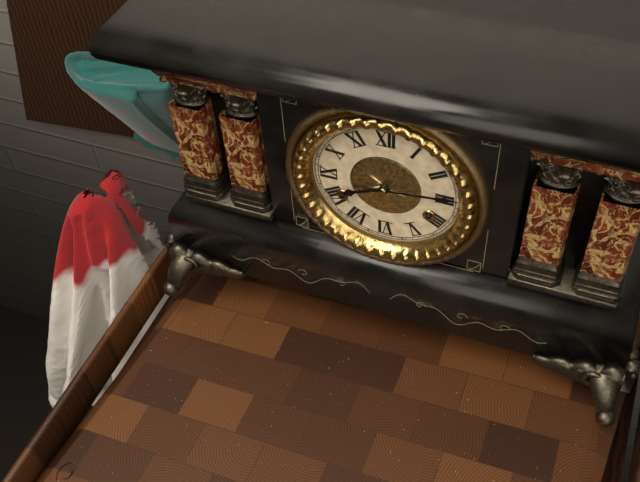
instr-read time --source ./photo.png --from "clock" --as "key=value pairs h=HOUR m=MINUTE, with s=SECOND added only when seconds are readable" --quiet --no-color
h=8 m=14
